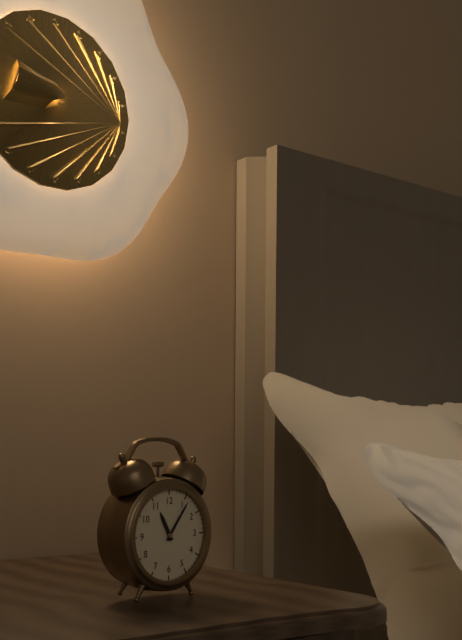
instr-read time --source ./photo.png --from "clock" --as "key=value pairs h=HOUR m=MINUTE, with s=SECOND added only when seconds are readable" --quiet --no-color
h=11 m=6
